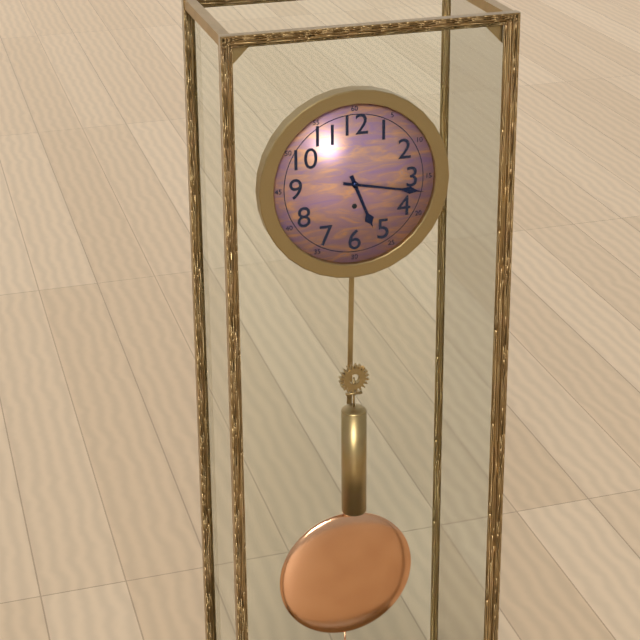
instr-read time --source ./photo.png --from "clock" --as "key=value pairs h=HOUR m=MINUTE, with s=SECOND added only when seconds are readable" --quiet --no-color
h=5 m=17
